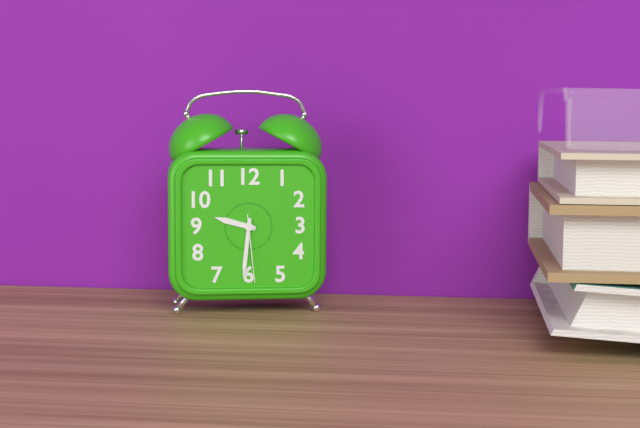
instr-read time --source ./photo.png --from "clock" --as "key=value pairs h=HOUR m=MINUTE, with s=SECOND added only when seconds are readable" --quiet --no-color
h=9 m=31 s=29
